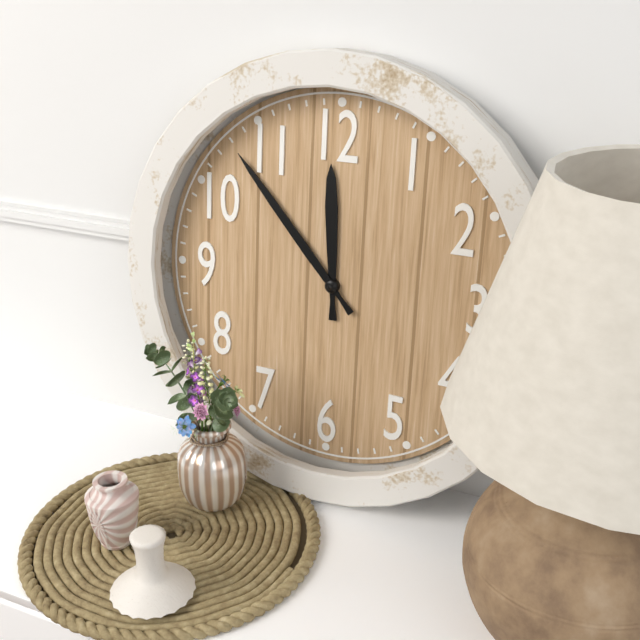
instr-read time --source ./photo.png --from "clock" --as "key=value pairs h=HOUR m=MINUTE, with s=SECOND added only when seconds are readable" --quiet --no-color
h=11 m=53
